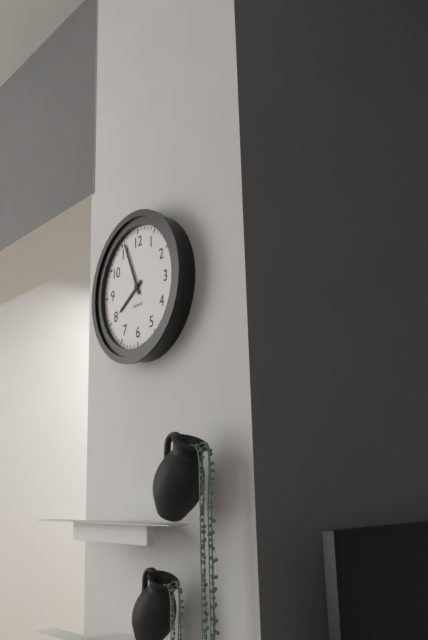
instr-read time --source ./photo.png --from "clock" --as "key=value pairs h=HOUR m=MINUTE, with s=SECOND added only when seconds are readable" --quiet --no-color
h=7 m=56
